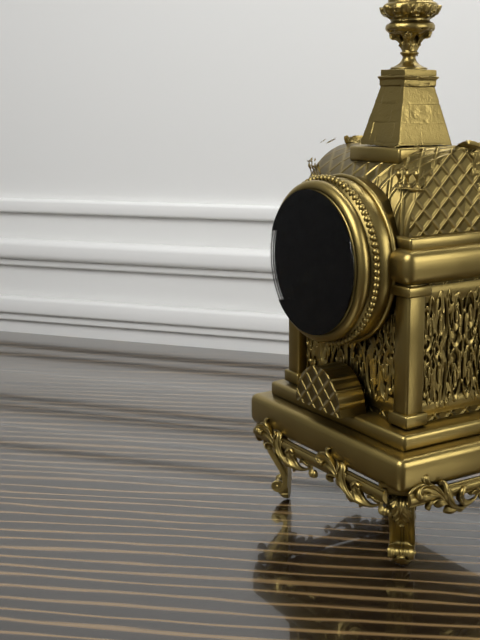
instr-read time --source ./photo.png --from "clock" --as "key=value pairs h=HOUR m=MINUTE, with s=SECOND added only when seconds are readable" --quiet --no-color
h=10 m=36
